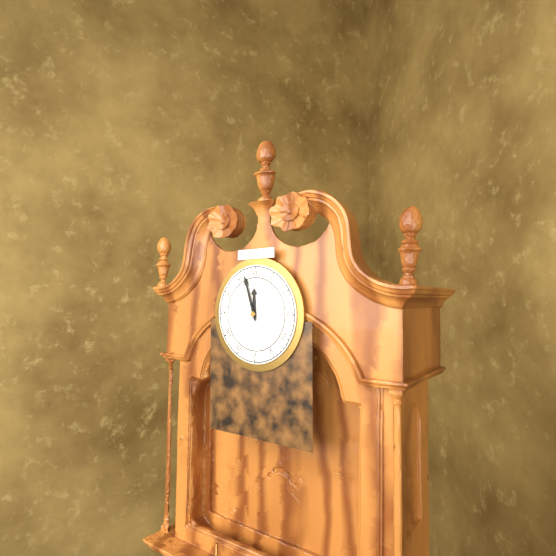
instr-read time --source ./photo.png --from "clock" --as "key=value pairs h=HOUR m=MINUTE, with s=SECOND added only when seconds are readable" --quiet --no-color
h=11 m=57
